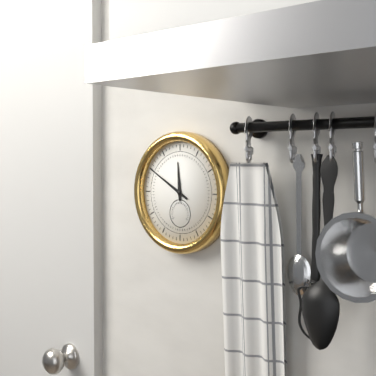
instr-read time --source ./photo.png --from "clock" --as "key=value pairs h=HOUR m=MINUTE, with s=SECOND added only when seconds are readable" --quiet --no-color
h=11 m=50
